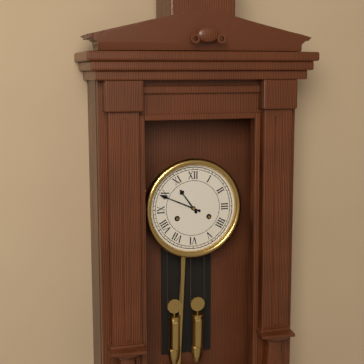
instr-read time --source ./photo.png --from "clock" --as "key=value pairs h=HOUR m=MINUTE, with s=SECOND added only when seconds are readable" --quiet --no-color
h=10 m=49
